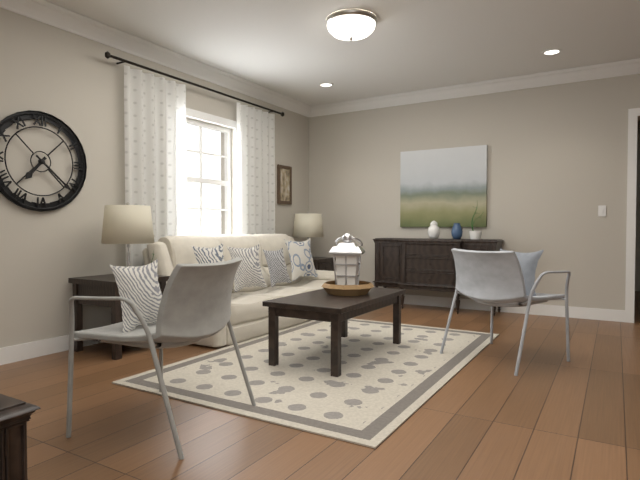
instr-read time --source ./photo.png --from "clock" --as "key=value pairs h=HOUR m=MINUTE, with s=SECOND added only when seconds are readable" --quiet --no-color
h=7 m=22
